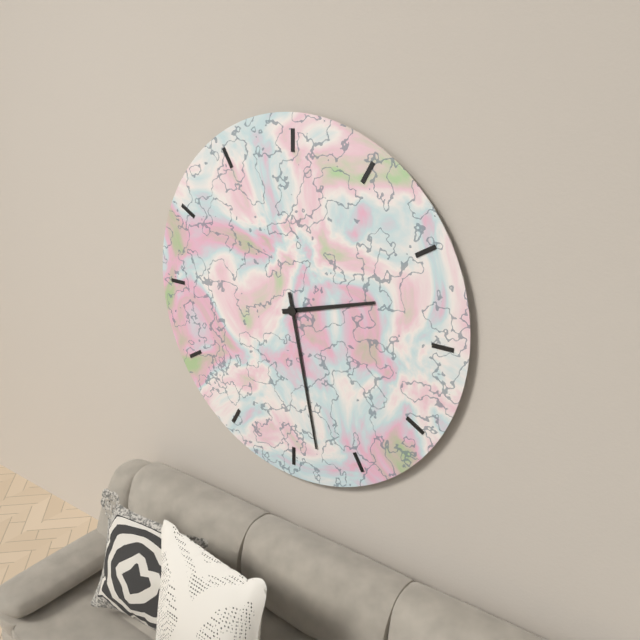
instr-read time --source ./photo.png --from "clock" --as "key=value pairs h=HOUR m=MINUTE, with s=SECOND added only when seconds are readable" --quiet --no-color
h=2 m=28
